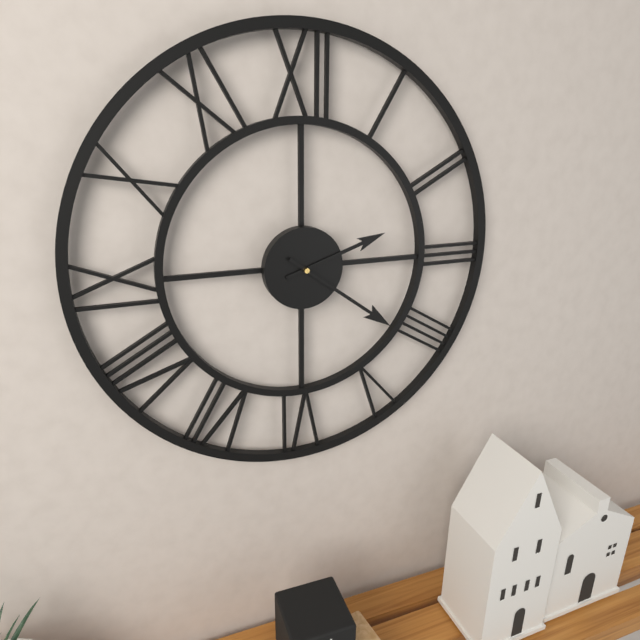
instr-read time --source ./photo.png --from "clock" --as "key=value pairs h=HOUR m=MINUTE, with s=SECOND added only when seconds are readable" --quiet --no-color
h=2 m=21
